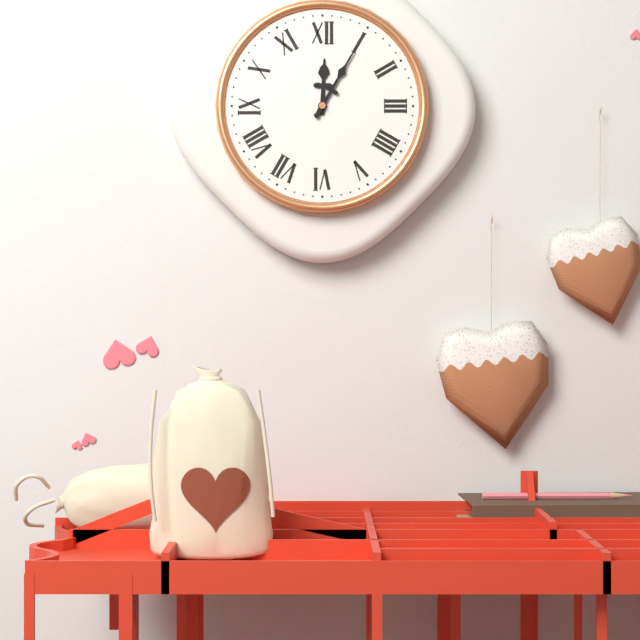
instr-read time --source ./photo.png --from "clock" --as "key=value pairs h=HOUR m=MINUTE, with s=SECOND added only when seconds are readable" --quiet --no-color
h=12 m=5
